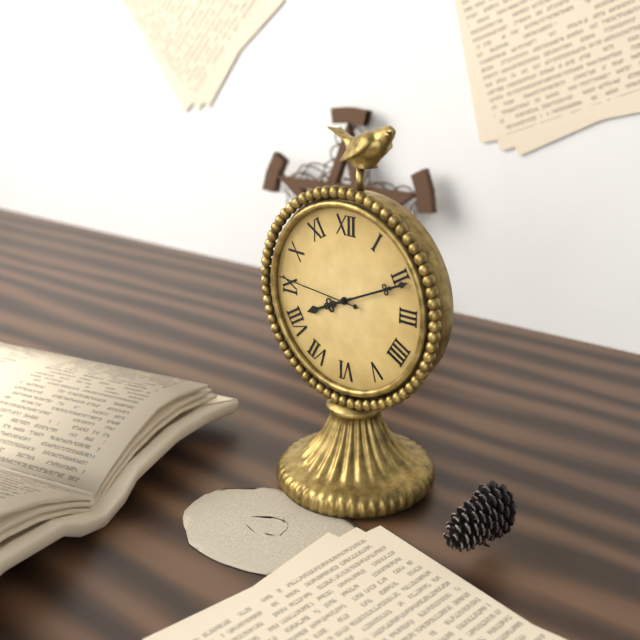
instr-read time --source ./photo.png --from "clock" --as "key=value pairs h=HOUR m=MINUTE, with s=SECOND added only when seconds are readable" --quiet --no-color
h=8 m=11 s=46
